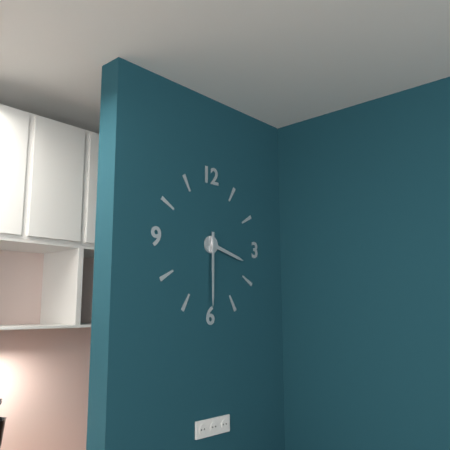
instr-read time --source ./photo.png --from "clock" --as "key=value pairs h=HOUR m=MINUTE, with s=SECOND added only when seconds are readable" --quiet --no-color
h=3 m=30
